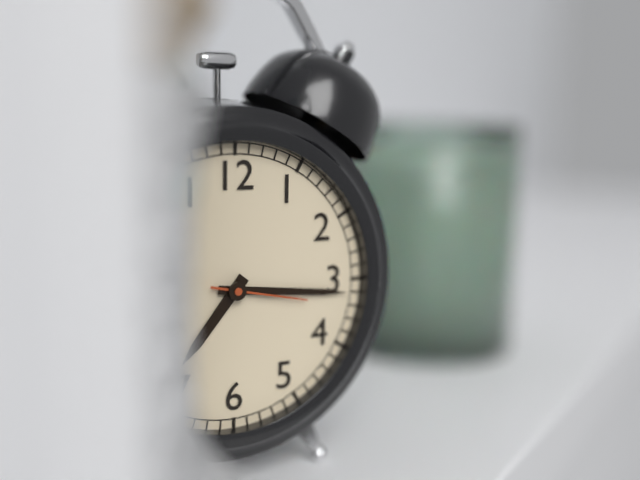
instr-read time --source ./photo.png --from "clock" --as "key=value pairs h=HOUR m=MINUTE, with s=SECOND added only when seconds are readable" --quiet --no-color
h=7 m=16 s=17
